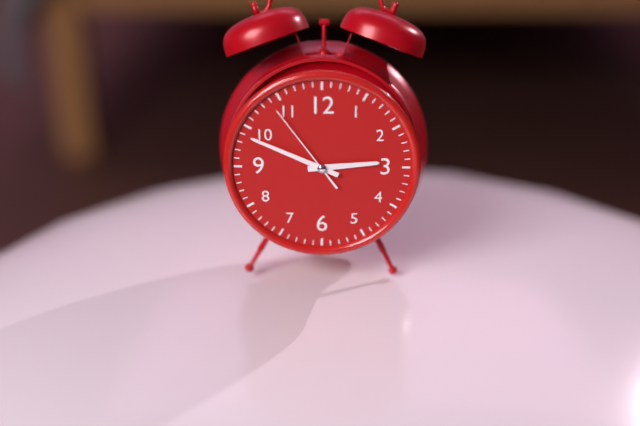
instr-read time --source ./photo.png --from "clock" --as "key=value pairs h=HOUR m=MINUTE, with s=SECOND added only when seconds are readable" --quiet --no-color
h=2 m=49 s=54
